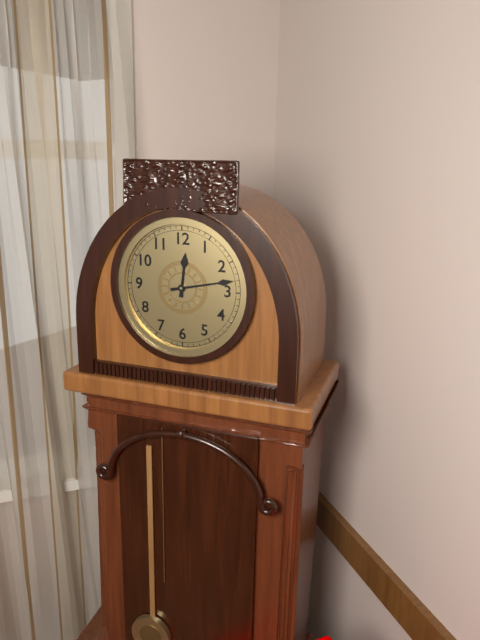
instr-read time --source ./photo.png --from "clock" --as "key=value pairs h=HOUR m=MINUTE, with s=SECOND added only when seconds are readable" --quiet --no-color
h=12 m=13
